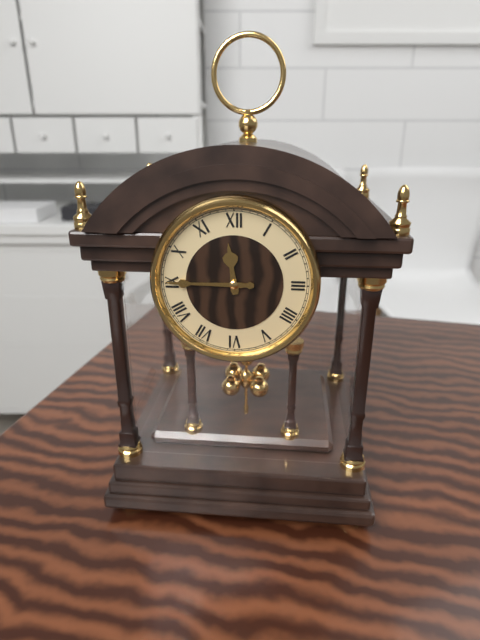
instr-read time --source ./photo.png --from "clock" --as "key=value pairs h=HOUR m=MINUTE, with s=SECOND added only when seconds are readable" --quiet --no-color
h=11 m=45
